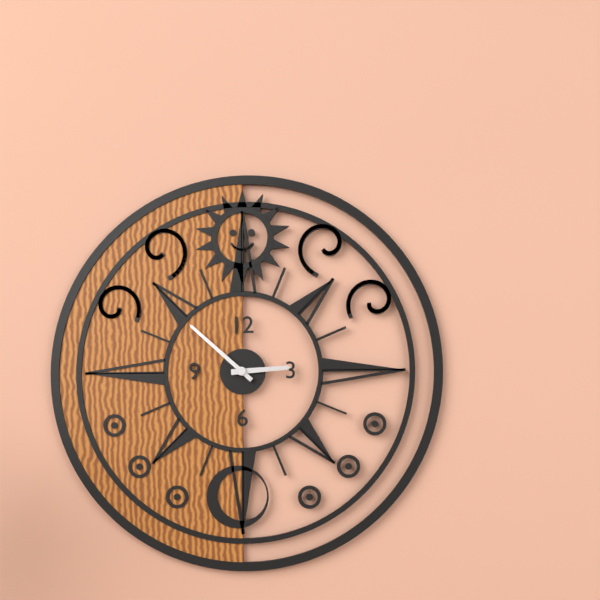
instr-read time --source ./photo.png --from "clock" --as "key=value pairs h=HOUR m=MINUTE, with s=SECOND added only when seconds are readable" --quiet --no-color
h=2 m=52
